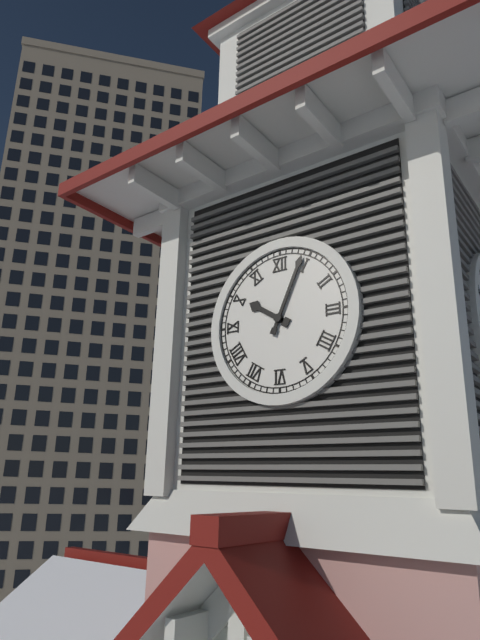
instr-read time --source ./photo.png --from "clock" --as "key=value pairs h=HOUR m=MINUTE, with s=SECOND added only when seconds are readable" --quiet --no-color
h=10 m=4
